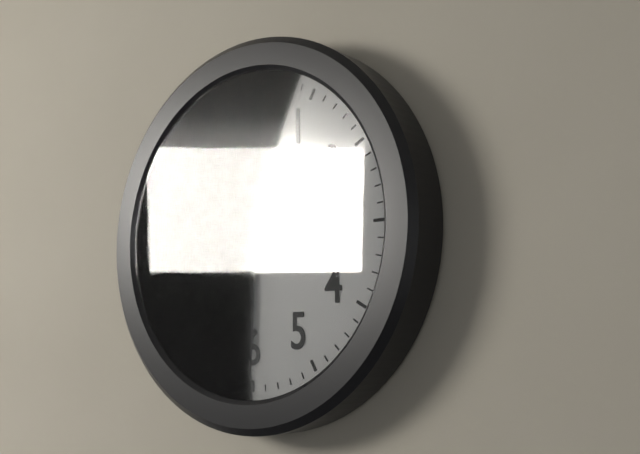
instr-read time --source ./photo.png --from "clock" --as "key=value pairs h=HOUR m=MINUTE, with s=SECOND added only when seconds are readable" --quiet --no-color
h=2 m=30
